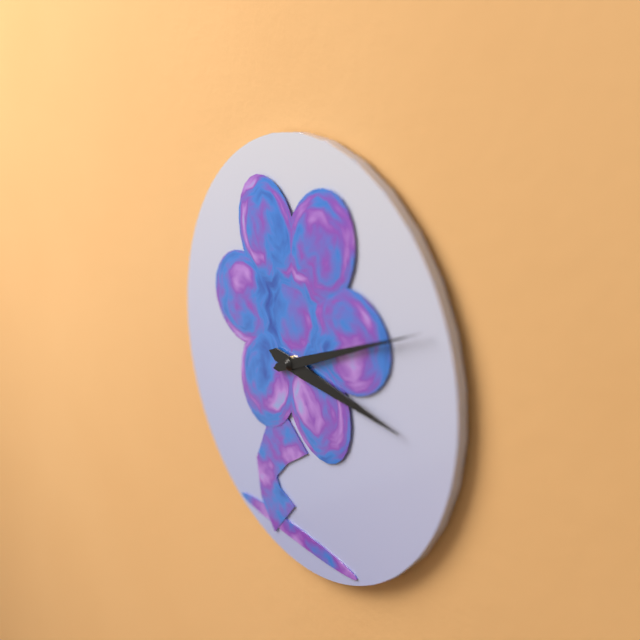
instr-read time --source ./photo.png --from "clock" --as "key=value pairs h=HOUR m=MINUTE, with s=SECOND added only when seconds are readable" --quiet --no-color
h=3 m=11
